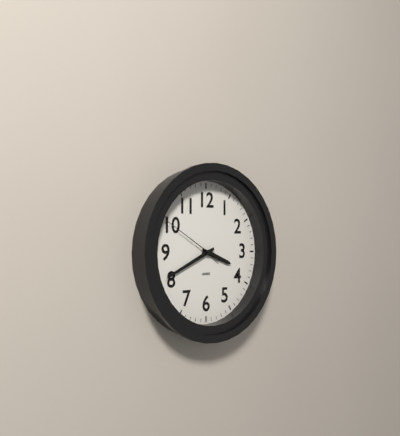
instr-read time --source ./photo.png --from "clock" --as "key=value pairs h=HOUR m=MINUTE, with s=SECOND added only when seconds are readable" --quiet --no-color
h=3 m=41 s=50
